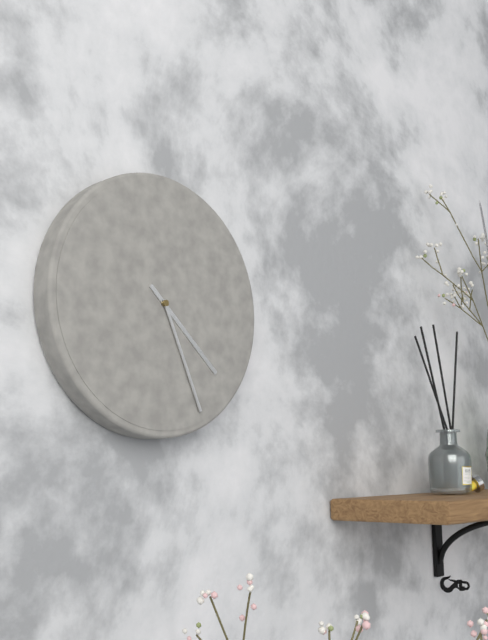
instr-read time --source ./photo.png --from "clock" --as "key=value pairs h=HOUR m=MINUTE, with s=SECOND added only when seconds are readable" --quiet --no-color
h=4 m=26
